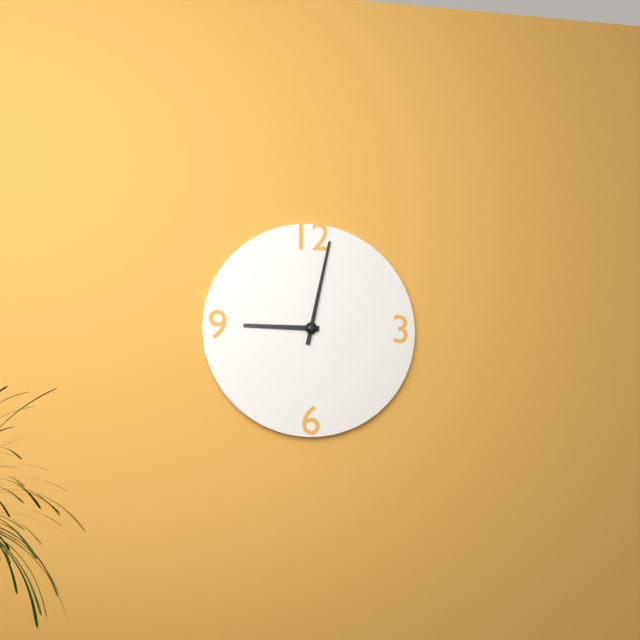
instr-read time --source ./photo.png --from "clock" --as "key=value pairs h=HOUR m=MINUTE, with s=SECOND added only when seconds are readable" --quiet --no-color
h=9 m=2
